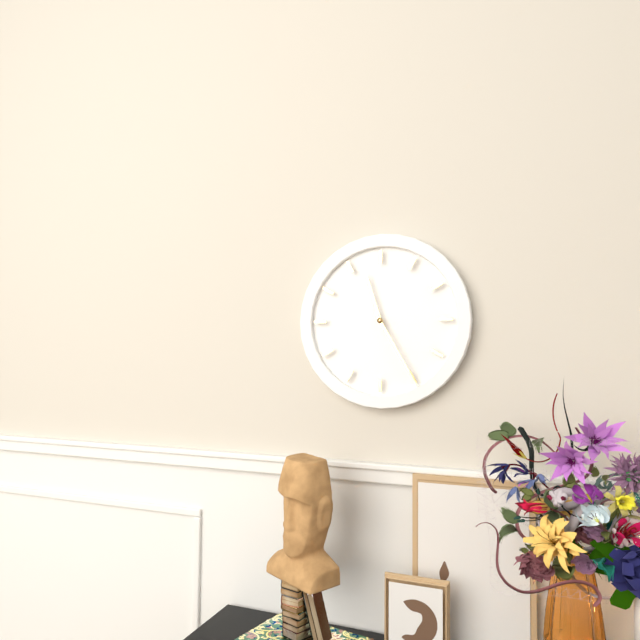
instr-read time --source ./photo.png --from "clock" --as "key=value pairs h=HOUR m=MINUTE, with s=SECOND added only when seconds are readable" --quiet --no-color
h=11 m=25
